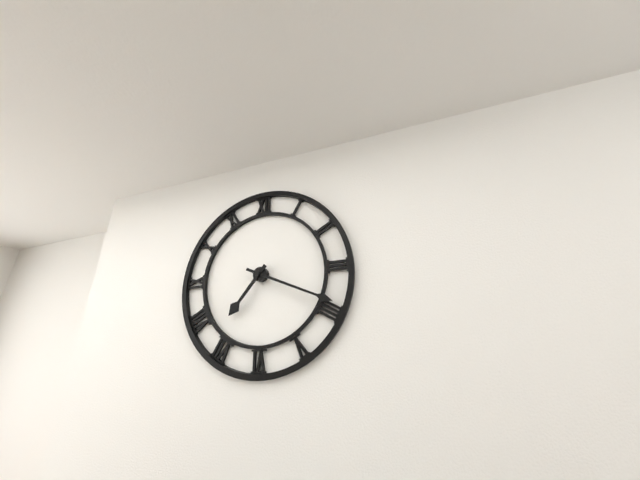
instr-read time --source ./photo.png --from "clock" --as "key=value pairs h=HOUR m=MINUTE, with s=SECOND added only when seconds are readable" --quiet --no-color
h=7 m=19
